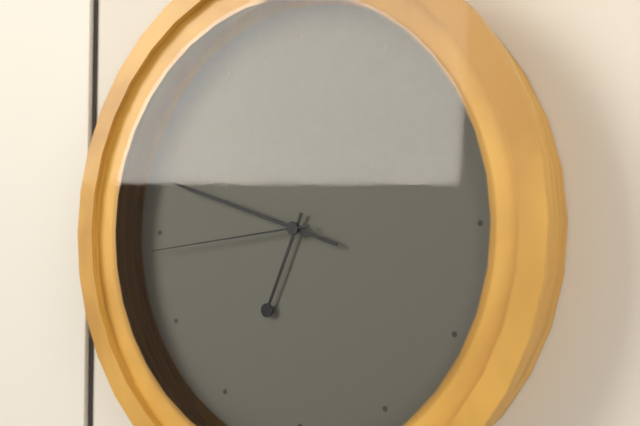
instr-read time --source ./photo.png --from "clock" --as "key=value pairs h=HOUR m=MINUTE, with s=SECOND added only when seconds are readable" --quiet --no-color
h=6 m=48 s=44
